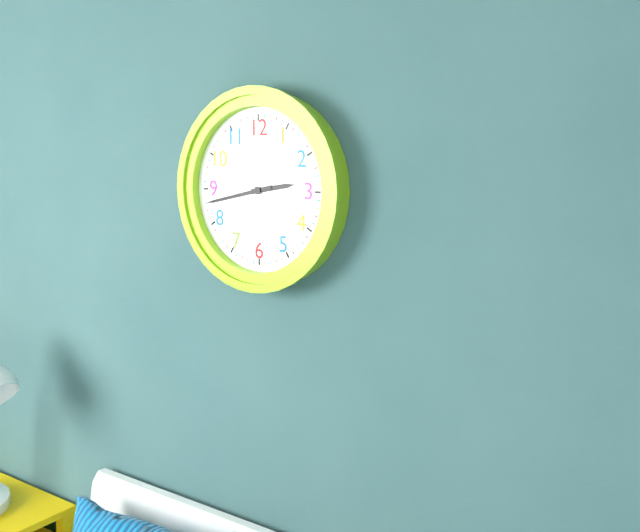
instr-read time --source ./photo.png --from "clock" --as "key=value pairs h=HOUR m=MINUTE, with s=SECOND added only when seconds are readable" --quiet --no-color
h=2 m=43
